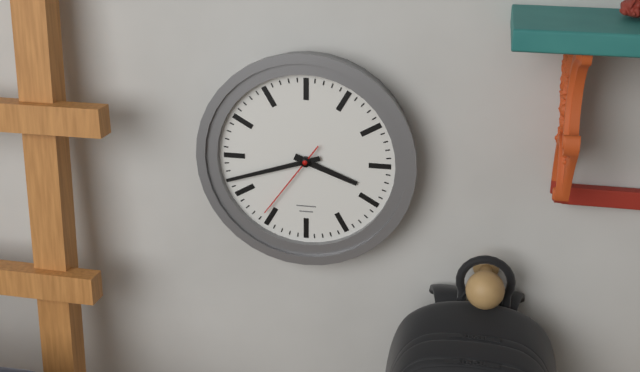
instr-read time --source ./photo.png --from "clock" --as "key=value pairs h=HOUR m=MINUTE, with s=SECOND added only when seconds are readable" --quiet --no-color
h=3 m=42 s=36
